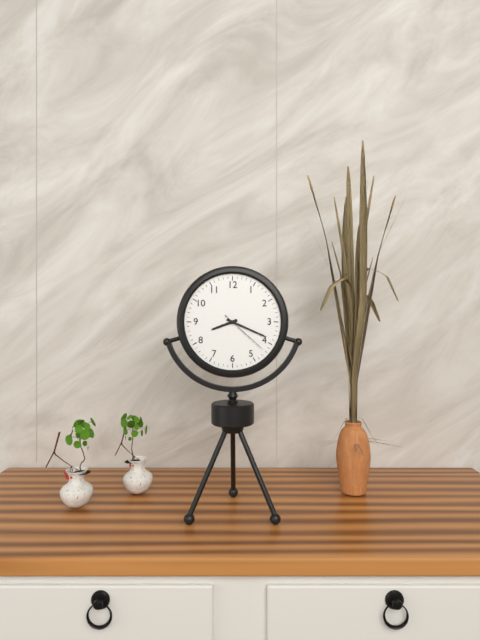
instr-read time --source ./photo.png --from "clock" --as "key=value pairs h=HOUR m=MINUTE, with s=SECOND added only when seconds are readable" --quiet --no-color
h=8 m=19 s=22
